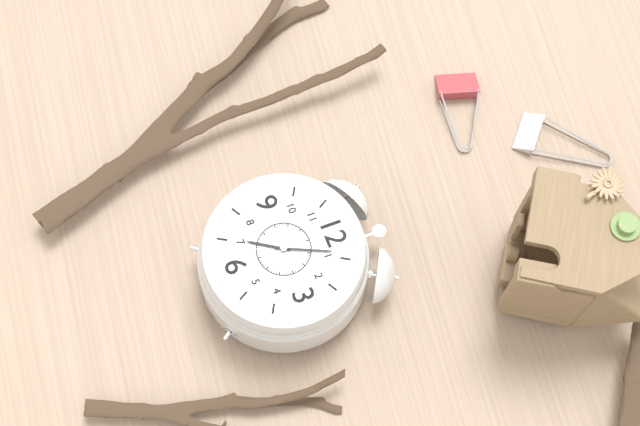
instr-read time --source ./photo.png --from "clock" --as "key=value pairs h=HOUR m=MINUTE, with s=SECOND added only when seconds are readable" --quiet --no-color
h=7 m=4
